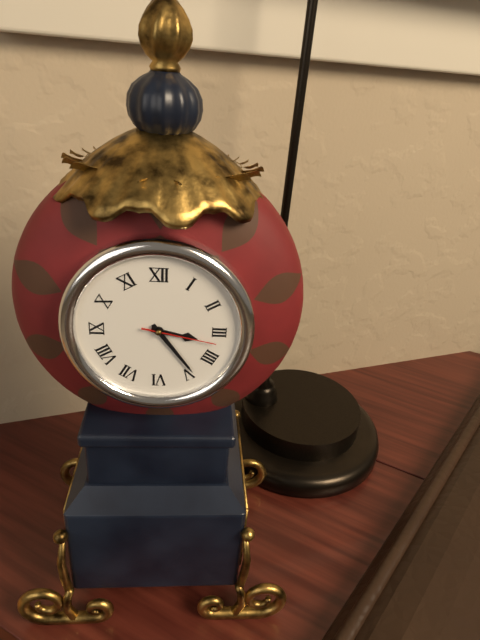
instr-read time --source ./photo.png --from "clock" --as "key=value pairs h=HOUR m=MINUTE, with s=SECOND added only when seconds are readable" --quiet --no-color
h=3 m=24 s=17
